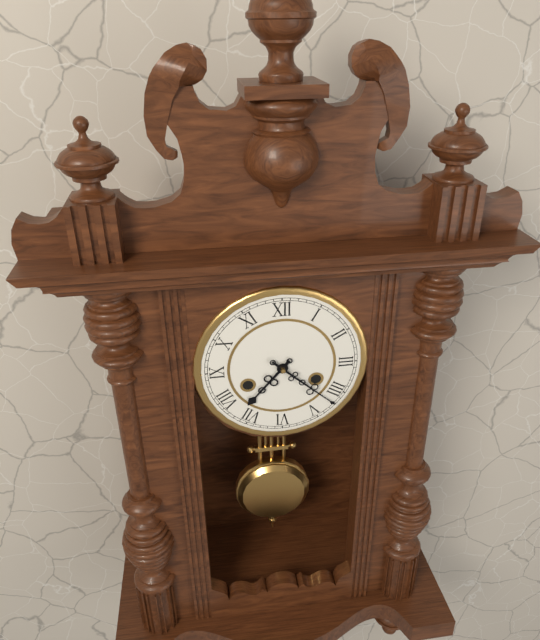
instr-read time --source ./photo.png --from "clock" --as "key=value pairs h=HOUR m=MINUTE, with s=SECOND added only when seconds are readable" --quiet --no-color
h=7 m=22
